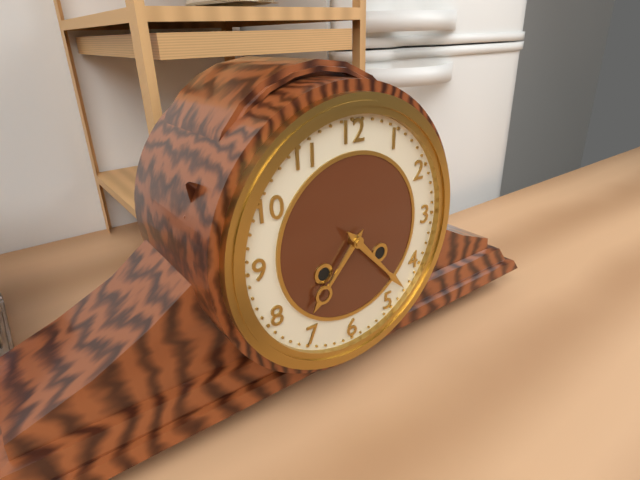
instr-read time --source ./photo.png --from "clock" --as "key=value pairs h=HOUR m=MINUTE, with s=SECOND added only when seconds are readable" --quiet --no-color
h=7 m=23
